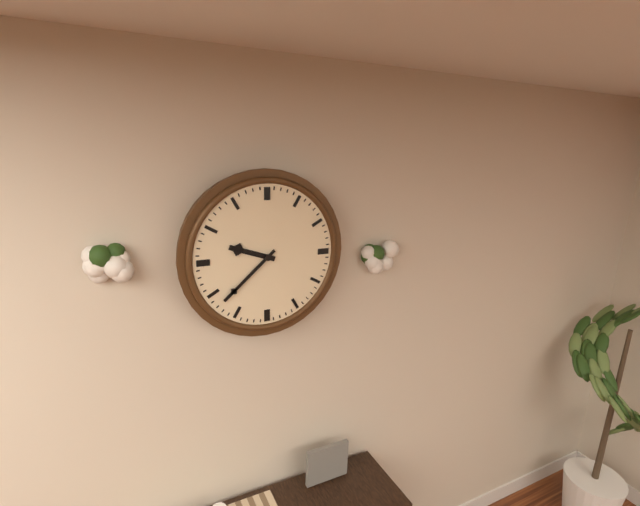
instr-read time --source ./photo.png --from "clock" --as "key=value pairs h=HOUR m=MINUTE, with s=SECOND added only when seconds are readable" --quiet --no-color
h=9 m=38
